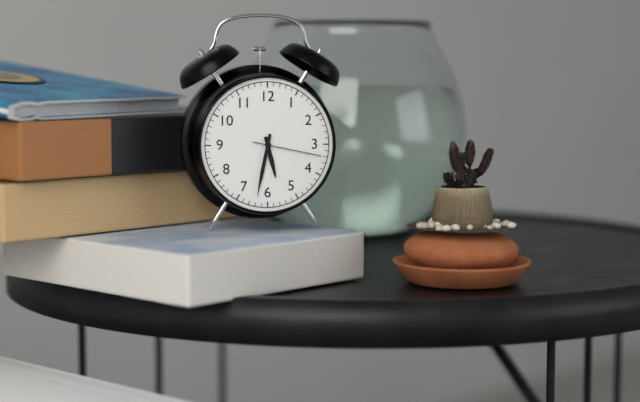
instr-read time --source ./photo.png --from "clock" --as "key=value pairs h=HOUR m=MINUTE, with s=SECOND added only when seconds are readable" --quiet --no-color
h=5 m=32 s=17
